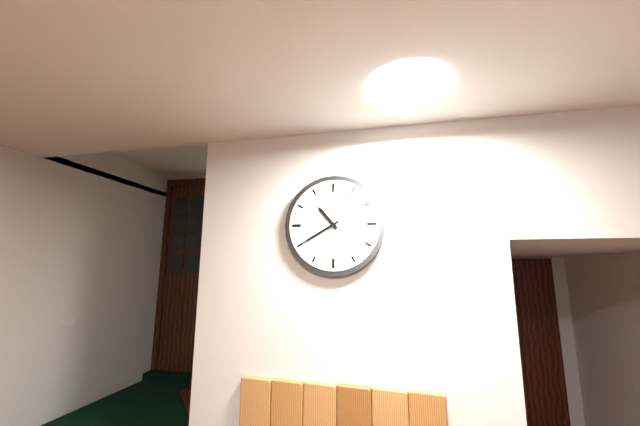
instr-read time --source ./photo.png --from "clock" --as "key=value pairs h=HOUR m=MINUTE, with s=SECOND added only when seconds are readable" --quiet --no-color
h=10 m=40
